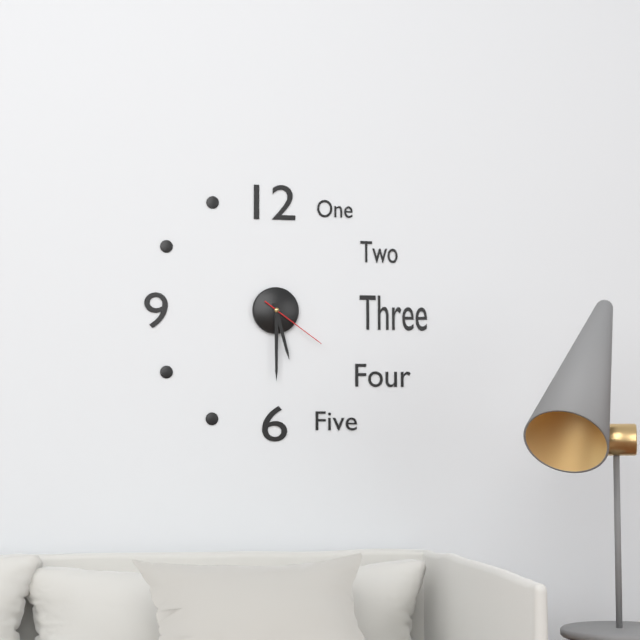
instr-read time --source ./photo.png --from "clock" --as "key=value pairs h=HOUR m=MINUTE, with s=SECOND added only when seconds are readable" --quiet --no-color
h=5 m=30 s=21
